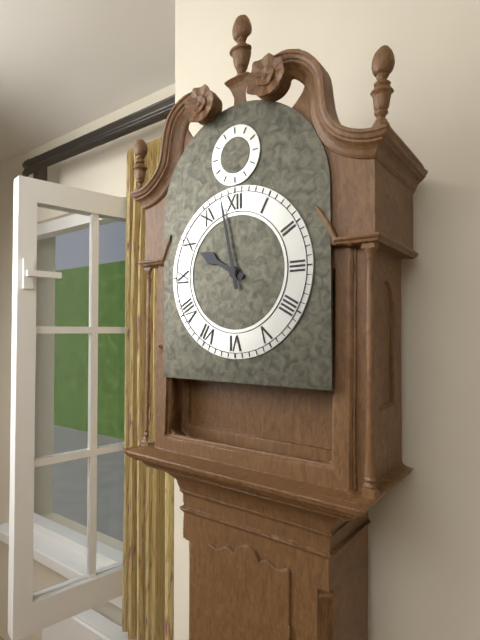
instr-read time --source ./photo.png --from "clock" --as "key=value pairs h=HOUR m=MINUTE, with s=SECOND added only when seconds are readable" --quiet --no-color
h=9 m=58
